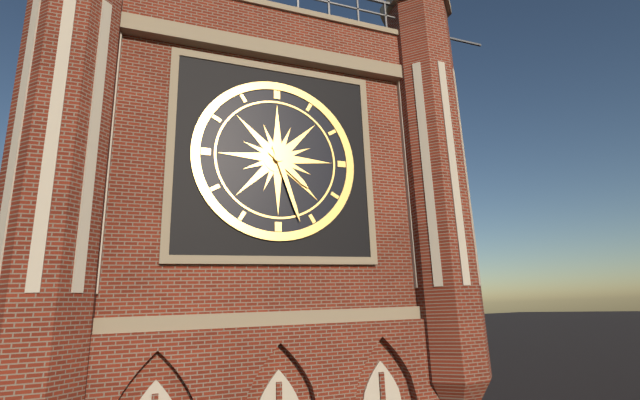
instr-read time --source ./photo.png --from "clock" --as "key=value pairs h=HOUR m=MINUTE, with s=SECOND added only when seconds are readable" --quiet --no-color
h=4 m=27
